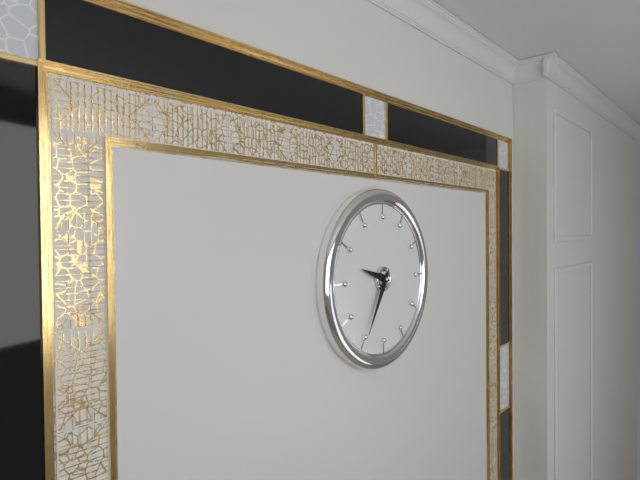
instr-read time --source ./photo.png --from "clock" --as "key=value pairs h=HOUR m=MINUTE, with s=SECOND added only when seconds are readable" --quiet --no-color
h=9 m=35
